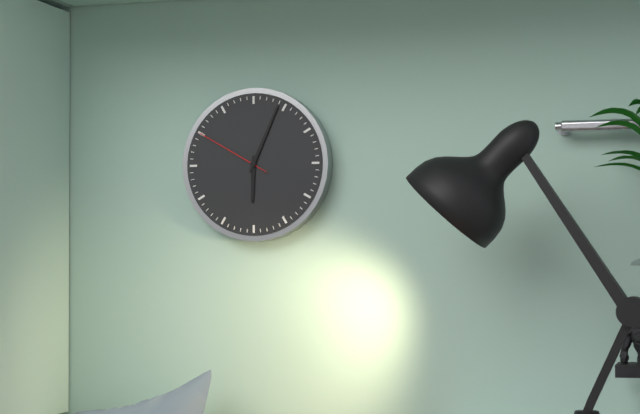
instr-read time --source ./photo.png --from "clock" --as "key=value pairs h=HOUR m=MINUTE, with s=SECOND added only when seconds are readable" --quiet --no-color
h=6 m=4 s=50
